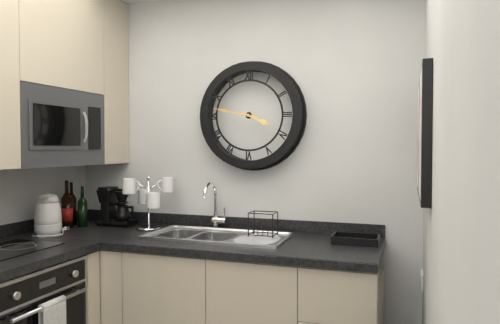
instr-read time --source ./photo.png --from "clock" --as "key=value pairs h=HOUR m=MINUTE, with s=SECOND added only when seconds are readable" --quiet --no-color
h=3 m=47
